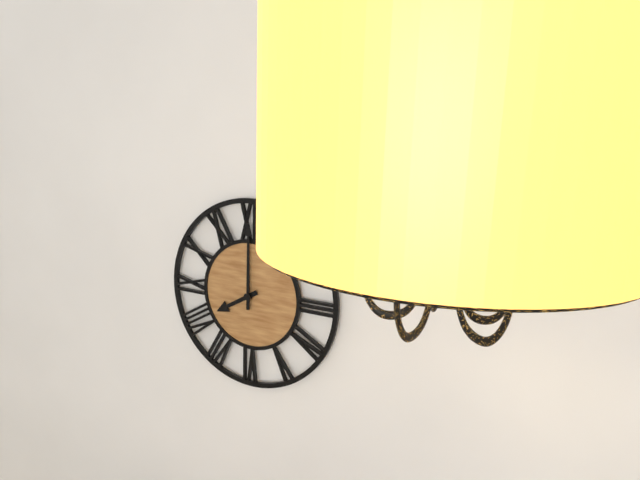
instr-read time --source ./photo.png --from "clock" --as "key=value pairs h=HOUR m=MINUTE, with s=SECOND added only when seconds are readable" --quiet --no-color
h=8 m=0
